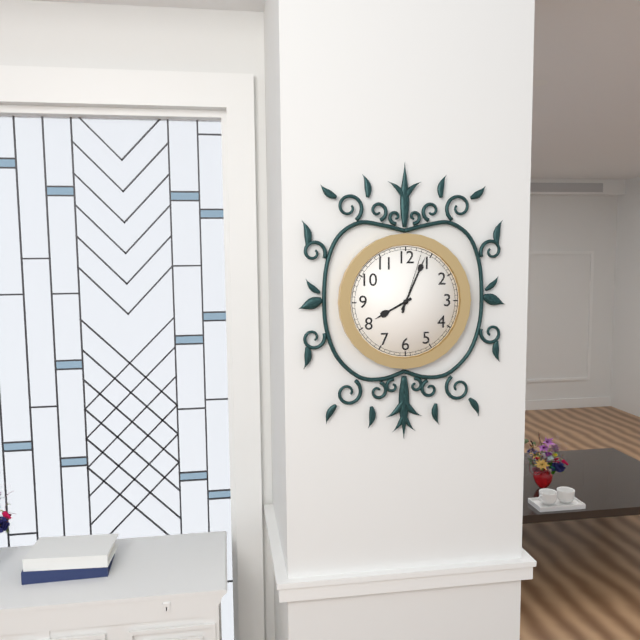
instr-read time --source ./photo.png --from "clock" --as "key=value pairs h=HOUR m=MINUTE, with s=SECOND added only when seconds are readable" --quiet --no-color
h=8 m=4 s=3
